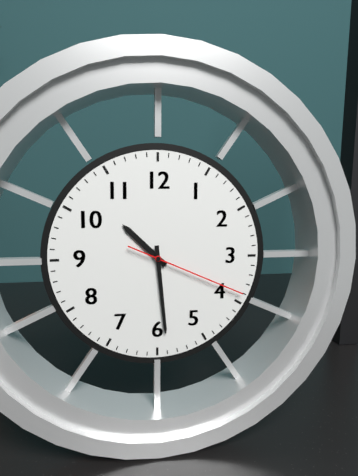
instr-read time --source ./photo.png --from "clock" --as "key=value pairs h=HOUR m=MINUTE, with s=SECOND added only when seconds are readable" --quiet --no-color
h=10 m=29 s=19
